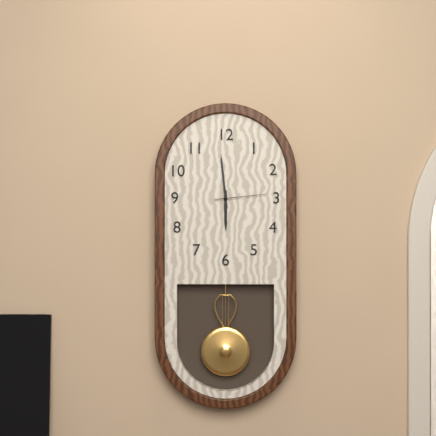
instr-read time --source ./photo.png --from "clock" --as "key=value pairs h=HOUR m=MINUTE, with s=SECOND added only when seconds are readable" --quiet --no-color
h=5 m=59 s=14
